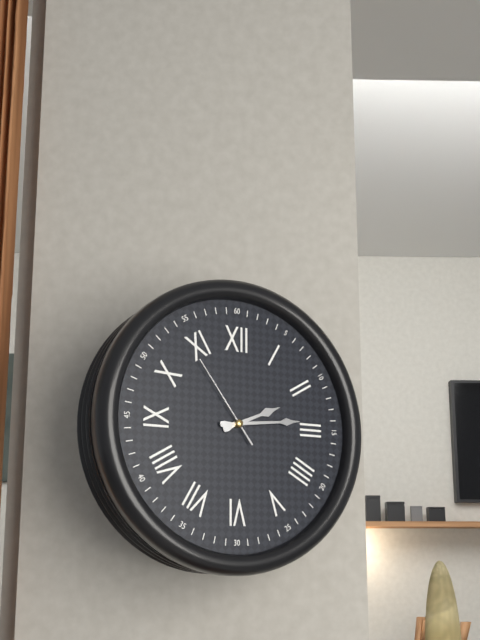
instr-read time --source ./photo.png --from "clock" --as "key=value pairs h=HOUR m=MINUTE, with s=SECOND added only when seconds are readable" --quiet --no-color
h=2 m=14 s=54
